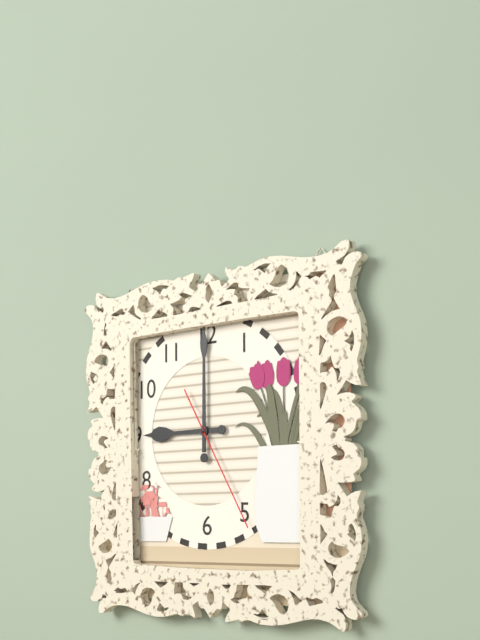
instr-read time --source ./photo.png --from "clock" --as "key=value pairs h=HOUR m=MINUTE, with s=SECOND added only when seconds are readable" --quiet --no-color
h=9 m=0 s=25
